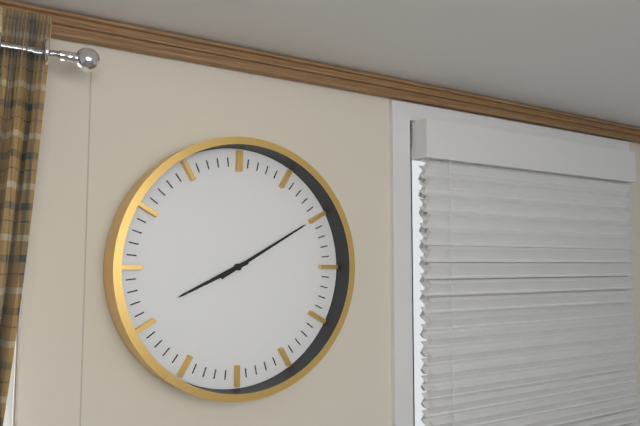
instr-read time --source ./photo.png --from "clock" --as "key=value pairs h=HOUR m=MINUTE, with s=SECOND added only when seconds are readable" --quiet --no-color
h=8 m=10
